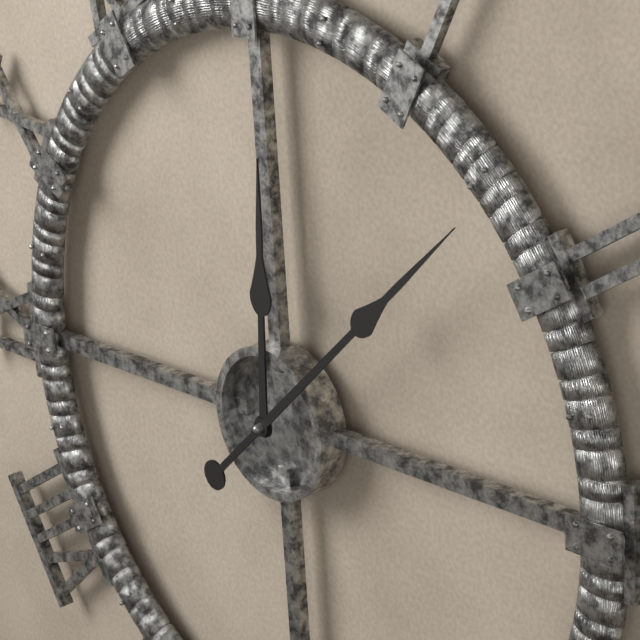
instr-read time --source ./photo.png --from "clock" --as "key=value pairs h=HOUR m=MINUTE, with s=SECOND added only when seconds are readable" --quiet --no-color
h=12 m=8
